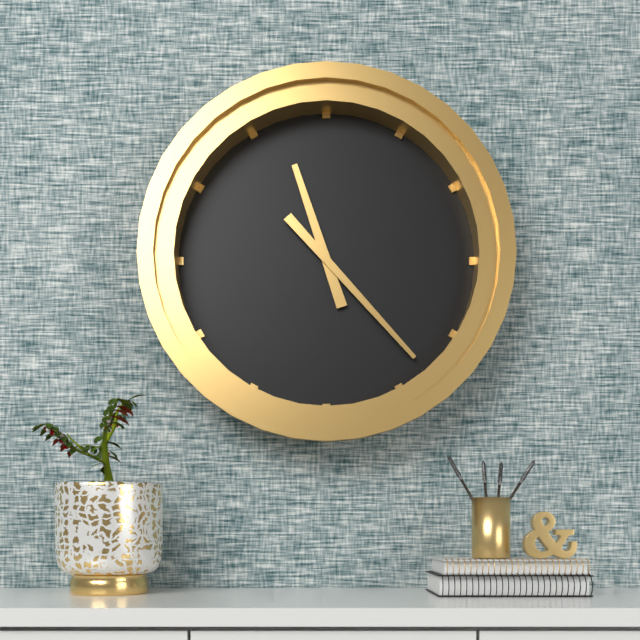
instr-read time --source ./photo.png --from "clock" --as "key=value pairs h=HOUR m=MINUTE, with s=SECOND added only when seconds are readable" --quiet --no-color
h=11 m=23
